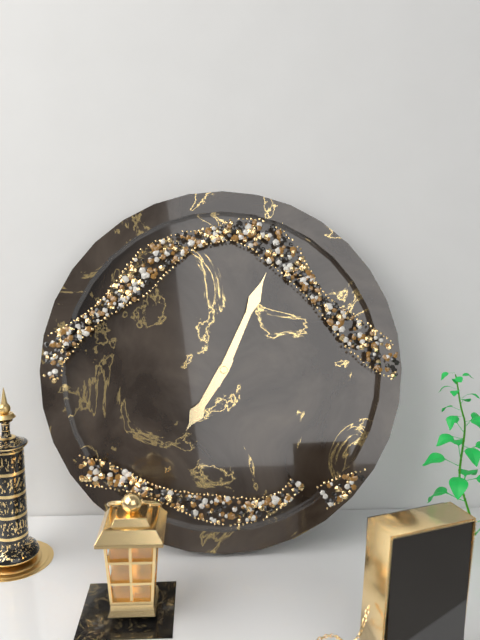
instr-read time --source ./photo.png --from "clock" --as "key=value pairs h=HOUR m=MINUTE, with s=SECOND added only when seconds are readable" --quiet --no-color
h=7 m=4
